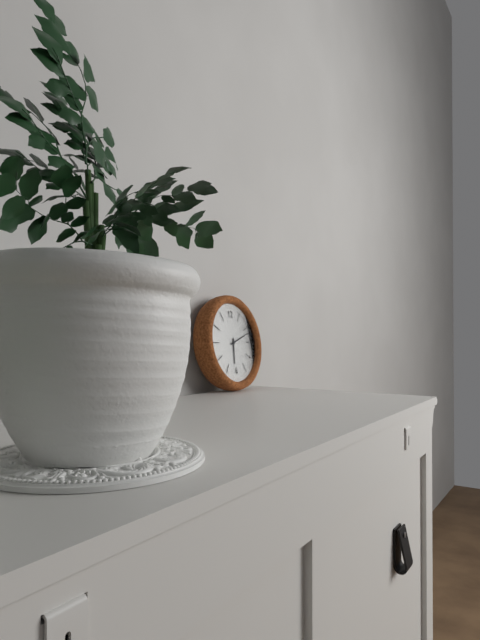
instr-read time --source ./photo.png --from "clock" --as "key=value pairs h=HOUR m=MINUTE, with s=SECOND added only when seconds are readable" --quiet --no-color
h=6 m=12
